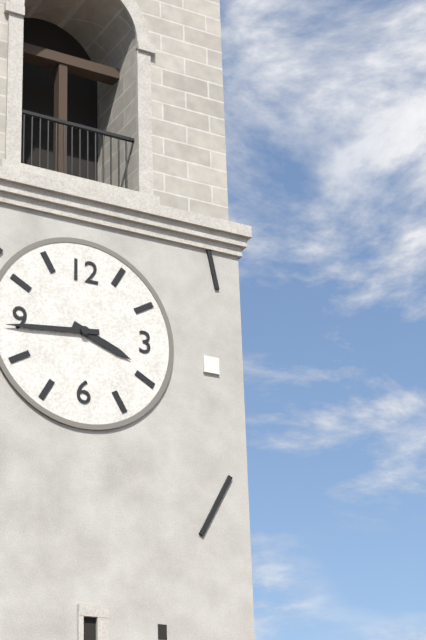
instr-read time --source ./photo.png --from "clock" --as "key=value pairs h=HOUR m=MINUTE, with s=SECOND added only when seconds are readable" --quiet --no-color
h=3 m=44
